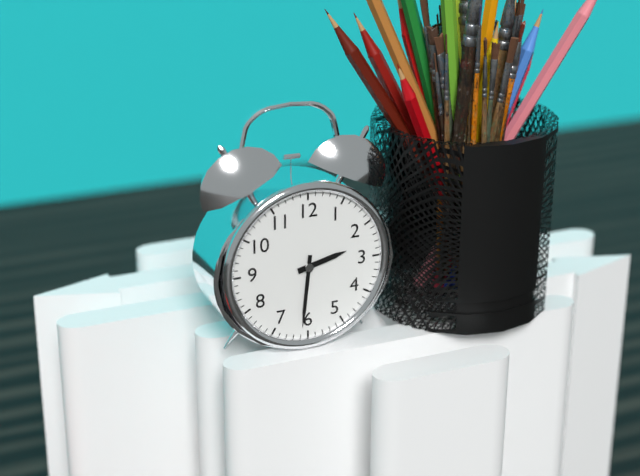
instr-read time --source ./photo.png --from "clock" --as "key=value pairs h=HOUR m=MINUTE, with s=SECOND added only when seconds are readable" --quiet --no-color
h=2 m=31
